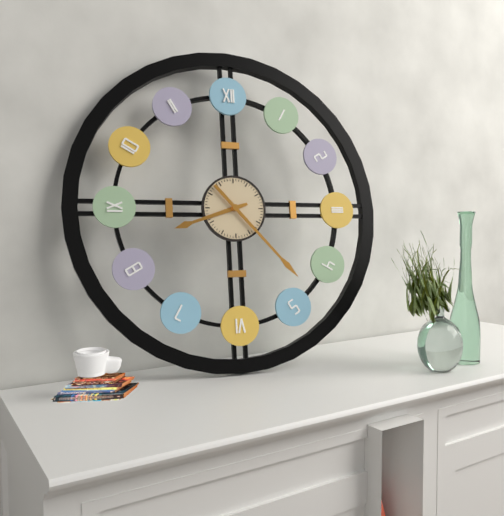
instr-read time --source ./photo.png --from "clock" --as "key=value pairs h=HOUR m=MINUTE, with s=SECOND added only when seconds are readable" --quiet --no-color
h=8 m=23
